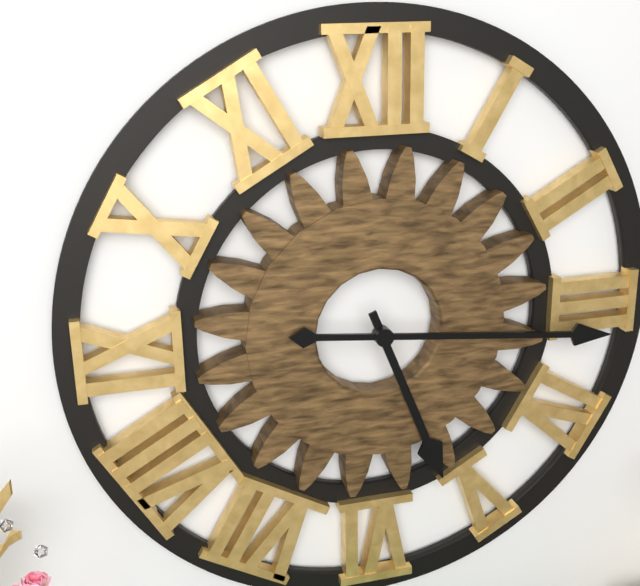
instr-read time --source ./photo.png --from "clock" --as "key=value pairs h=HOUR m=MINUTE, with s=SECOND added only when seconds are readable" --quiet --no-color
h=5 m=16
